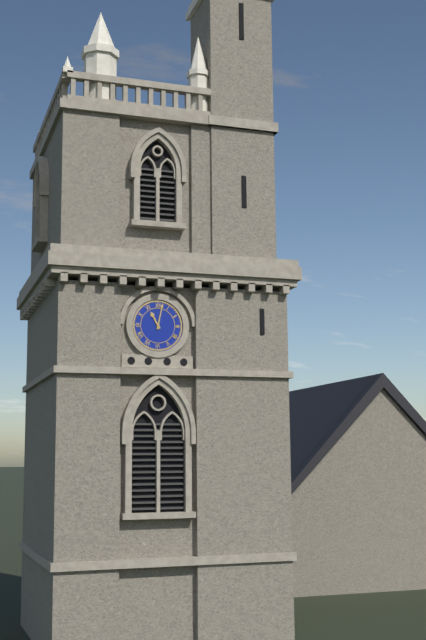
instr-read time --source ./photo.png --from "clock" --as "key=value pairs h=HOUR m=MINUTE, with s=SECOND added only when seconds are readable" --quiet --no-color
h=11 m=2
